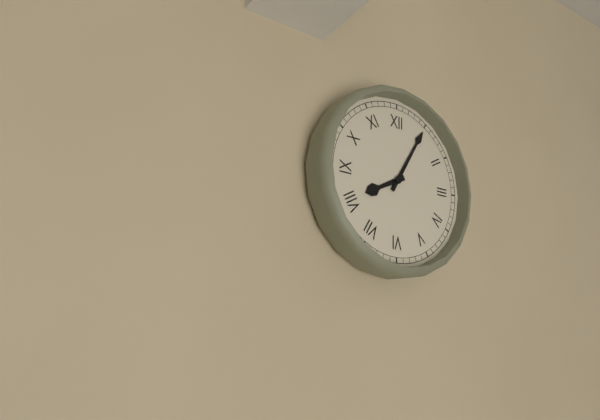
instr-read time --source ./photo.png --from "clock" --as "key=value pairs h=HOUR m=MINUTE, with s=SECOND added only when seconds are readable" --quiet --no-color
h=8 m=5
